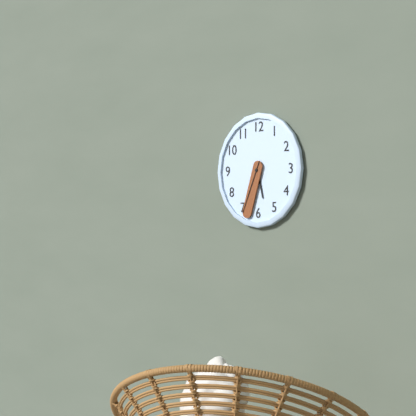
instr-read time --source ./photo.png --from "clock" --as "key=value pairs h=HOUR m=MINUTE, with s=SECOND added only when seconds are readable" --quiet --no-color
h=5 m=33 s=34
